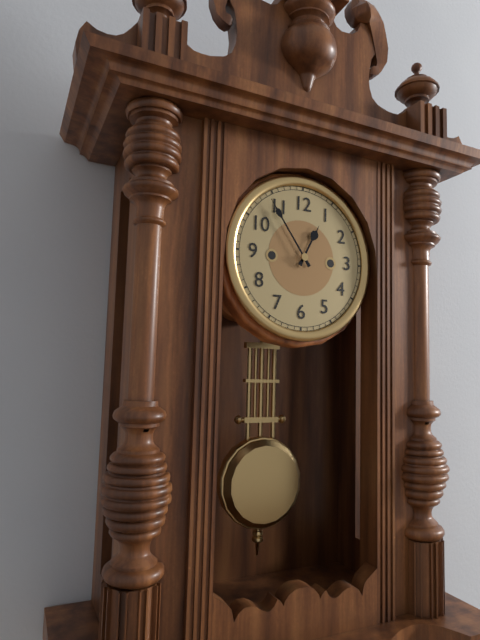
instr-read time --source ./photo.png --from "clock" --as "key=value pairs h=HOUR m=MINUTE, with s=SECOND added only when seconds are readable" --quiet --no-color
h=12 m=54
